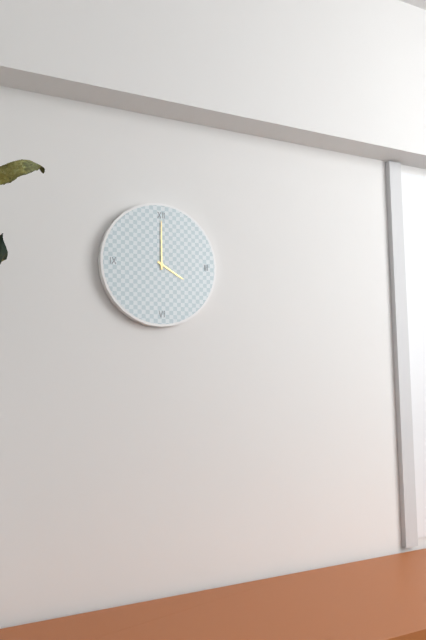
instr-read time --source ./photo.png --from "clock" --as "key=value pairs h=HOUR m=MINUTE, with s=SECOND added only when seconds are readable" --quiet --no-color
h=4 m=0
